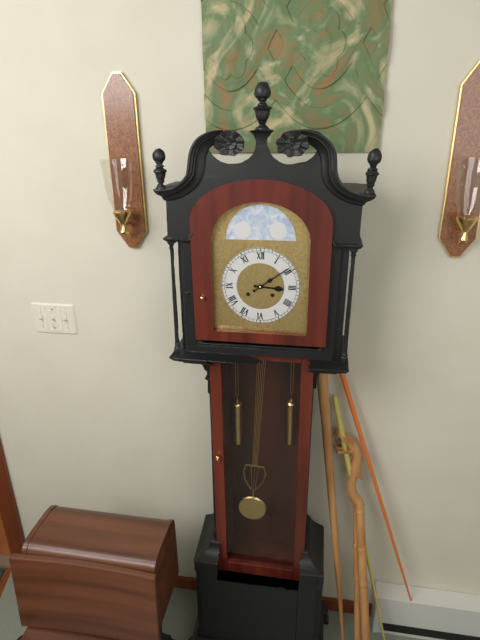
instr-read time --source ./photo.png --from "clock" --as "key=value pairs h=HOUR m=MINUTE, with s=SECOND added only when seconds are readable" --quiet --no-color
h=3 m=9
